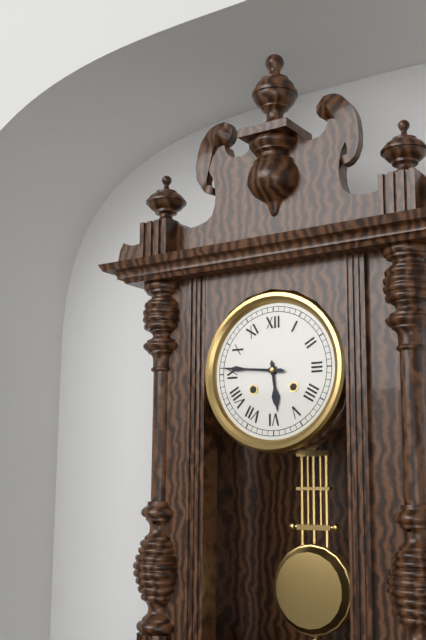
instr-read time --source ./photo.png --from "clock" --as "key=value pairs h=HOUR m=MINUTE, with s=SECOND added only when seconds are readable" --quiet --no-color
h=5 m=46
